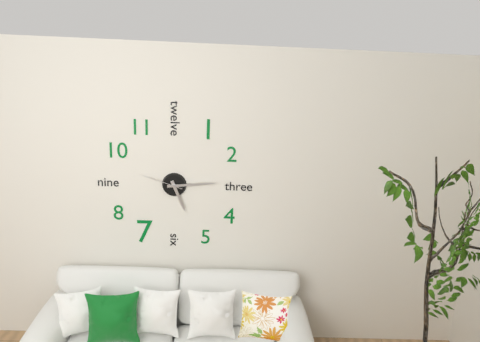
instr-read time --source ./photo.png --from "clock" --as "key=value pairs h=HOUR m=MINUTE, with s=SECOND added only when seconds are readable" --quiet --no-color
h=5 m=14
